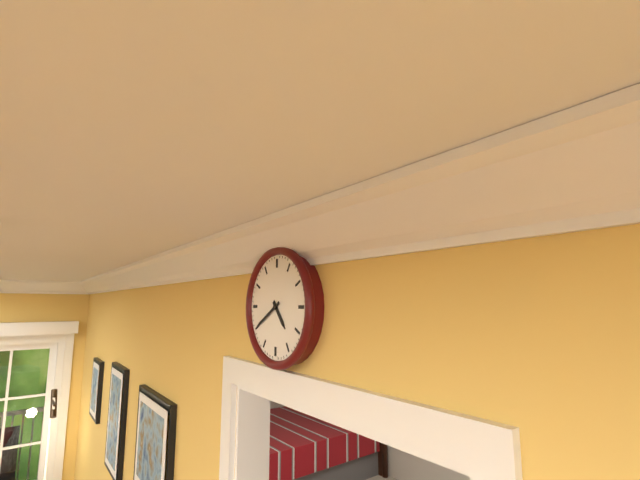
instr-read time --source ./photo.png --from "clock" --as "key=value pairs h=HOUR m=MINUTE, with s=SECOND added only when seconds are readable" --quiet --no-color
h=4 m=40
